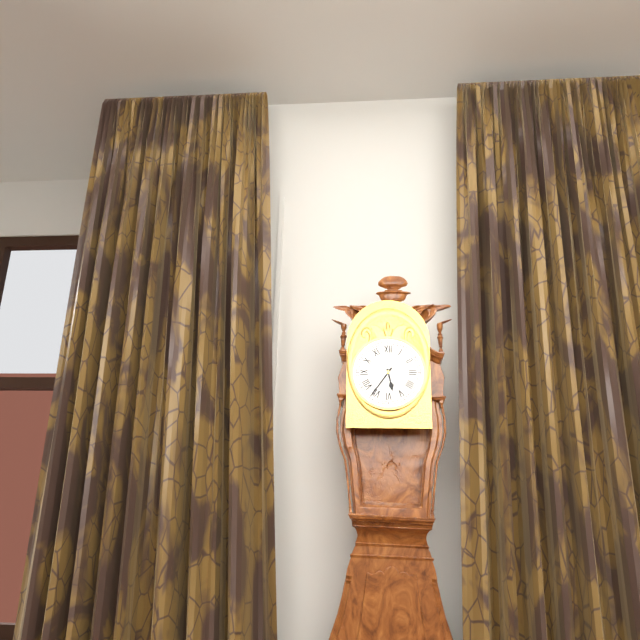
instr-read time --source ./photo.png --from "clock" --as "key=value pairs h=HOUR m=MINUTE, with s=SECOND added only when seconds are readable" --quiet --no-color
h=5 m=36
